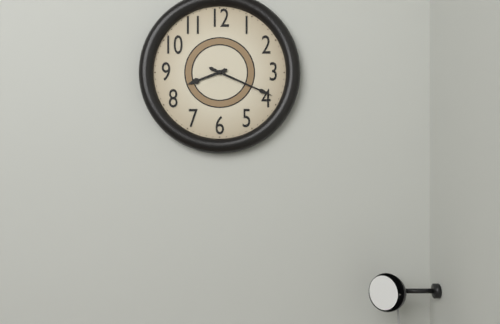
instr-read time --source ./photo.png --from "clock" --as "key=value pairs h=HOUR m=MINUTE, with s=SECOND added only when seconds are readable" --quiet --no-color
h=8 m=19
